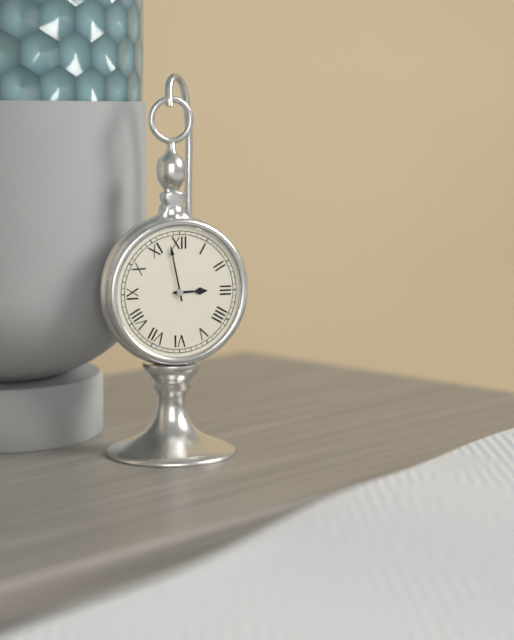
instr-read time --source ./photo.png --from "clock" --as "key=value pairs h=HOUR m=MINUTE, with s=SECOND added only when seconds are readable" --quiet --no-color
h=2 m=58
